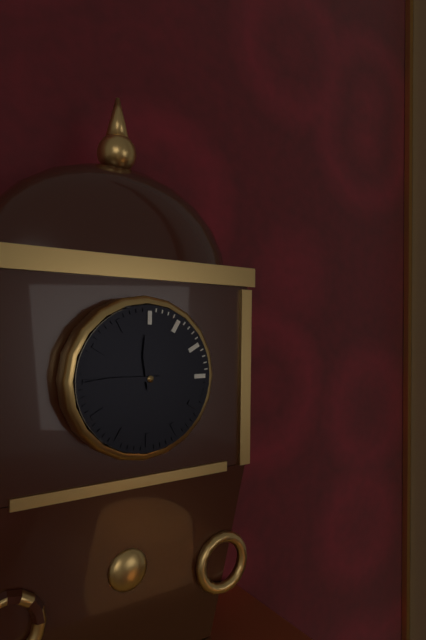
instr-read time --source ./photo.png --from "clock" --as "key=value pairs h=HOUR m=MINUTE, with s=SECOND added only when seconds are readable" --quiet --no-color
h=11 m=45
